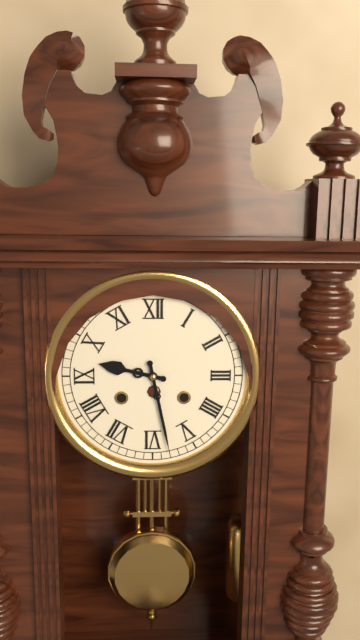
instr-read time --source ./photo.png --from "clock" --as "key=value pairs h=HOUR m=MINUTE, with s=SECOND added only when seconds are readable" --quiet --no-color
h=9 m=28
